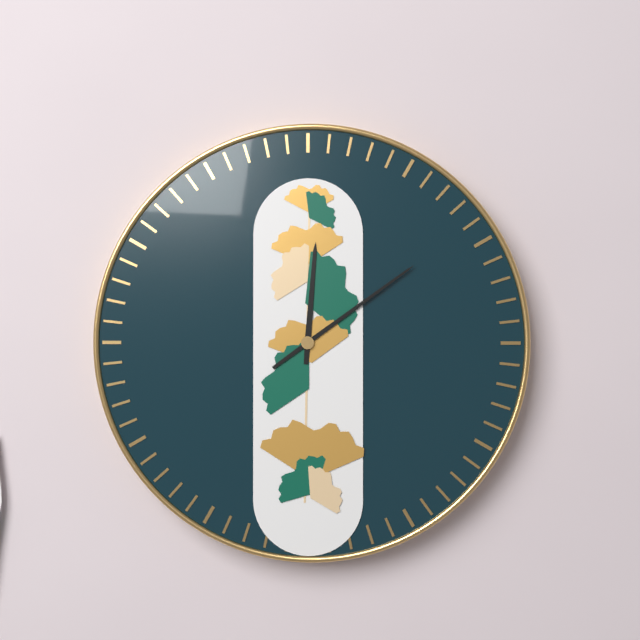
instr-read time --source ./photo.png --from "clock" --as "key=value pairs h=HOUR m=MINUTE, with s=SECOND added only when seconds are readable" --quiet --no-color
h=12 m=9
